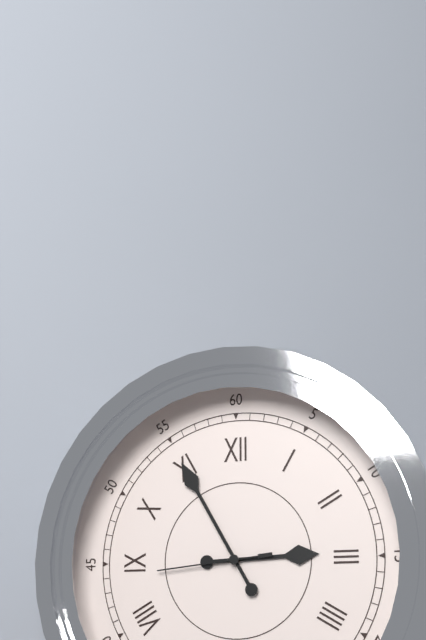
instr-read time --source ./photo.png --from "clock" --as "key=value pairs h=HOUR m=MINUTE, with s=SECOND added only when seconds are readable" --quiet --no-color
h=2 m=55 s=44
